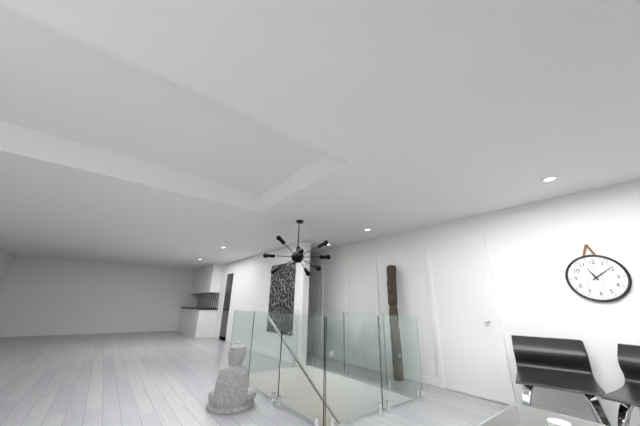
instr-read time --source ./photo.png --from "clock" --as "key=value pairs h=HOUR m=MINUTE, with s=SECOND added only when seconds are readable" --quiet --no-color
h=11 m=9
